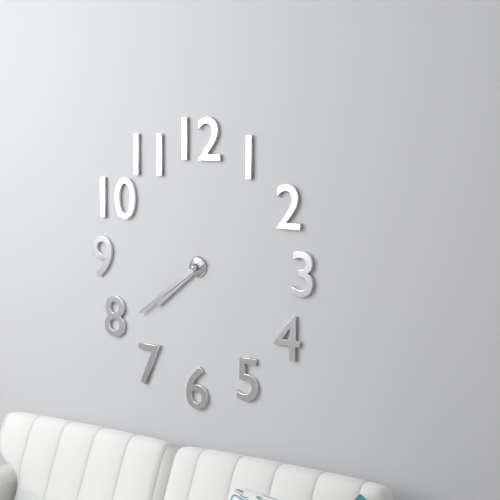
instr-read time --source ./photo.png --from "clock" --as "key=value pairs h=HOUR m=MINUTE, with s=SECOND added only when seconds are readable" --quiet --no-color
h=7 m=39
